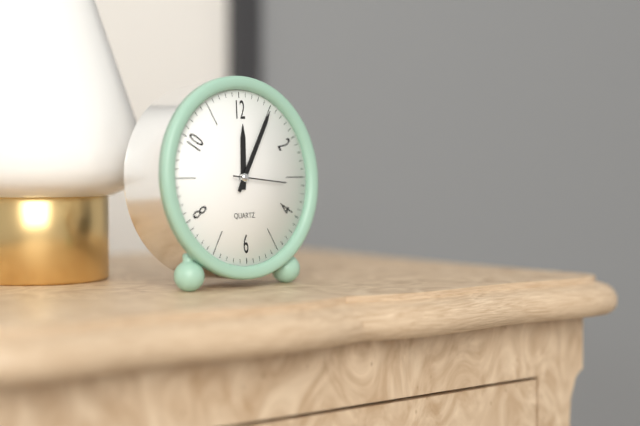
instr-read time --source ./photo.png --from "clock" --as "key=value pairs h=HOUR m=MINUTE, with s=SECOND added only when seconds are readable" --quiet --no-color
h=12 m=5 s=16
